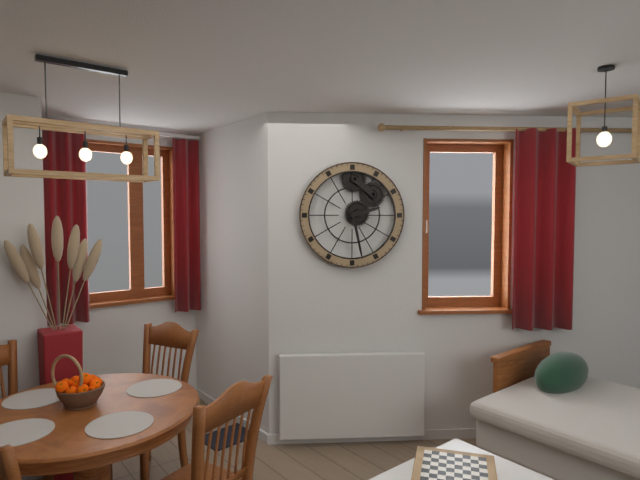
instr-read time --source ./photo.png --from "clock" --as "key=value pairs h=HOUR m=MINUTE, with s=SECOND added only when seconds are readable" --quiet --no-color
h=2 m=28
